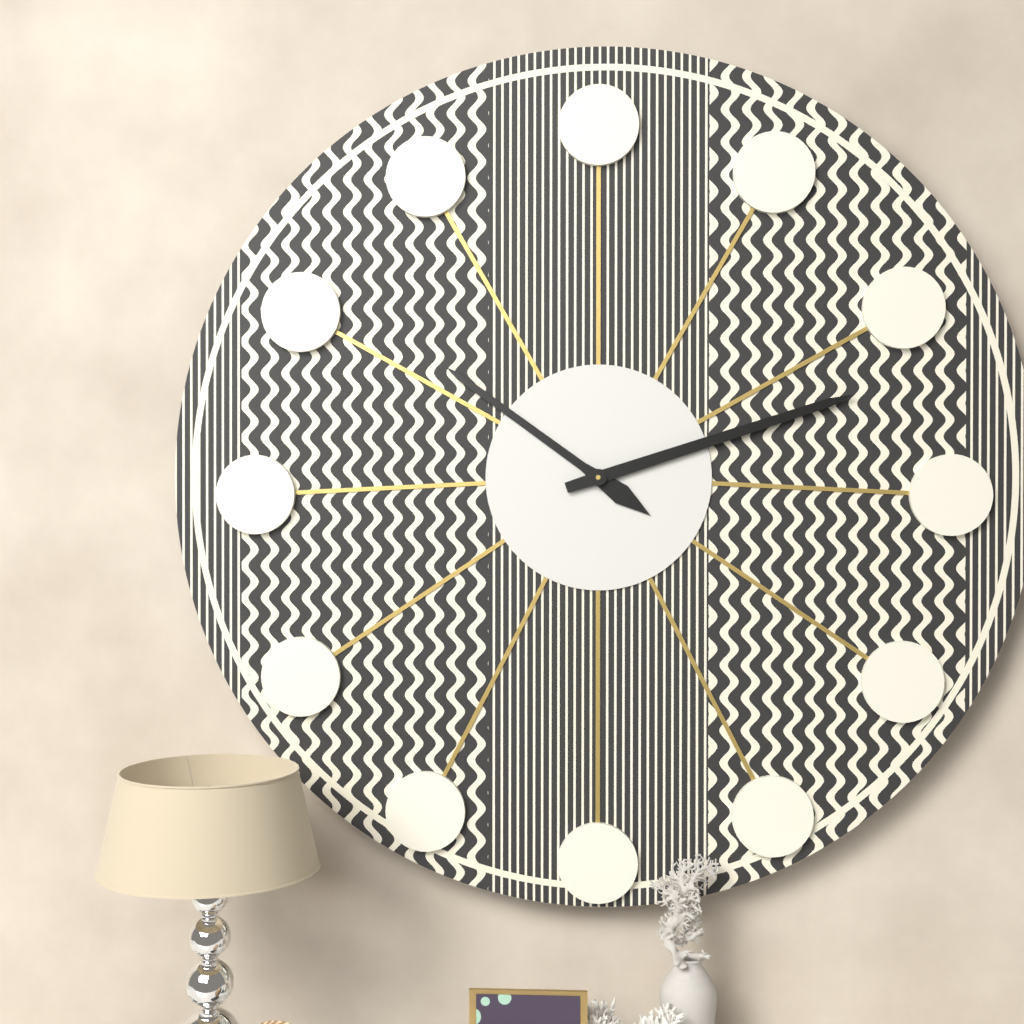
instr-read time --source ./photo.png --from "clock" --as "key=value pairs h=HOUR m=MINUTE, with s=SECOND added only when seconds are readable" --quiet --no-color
h=10 m=12
